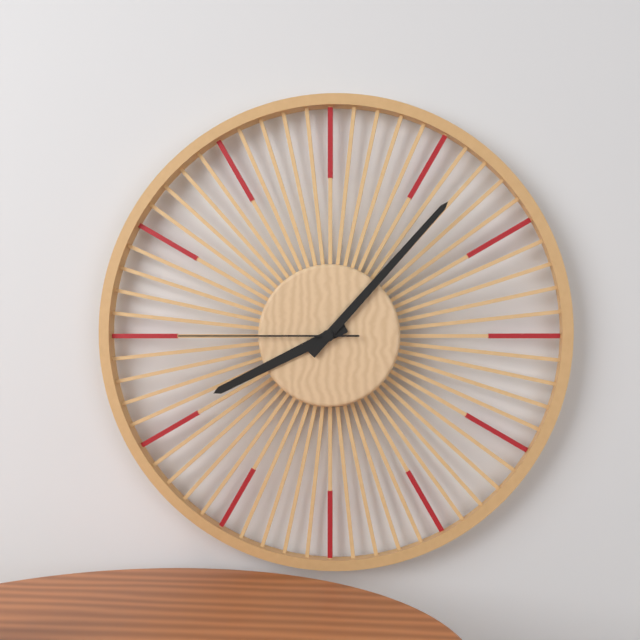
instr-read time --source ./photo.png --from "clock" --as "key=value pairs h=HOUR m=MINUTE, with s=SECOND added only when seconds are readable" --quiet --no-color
h=8 m=7 s=45
